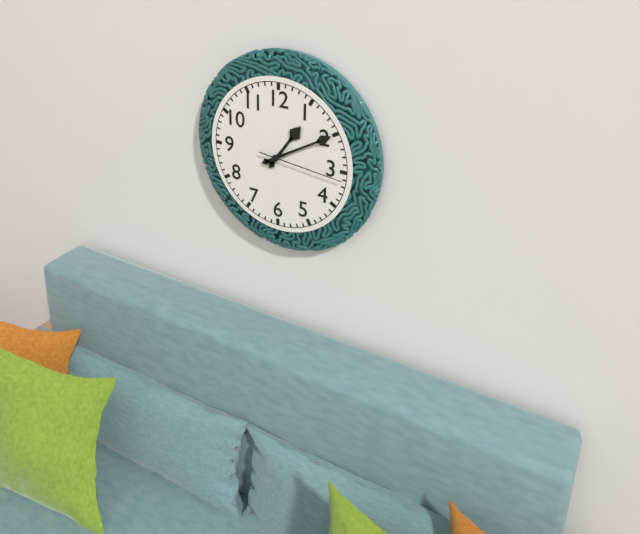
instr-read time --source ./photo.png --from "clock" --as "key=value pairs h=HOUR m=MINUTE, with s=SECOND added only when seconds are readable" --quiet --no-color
h=1 m=10 s=16
